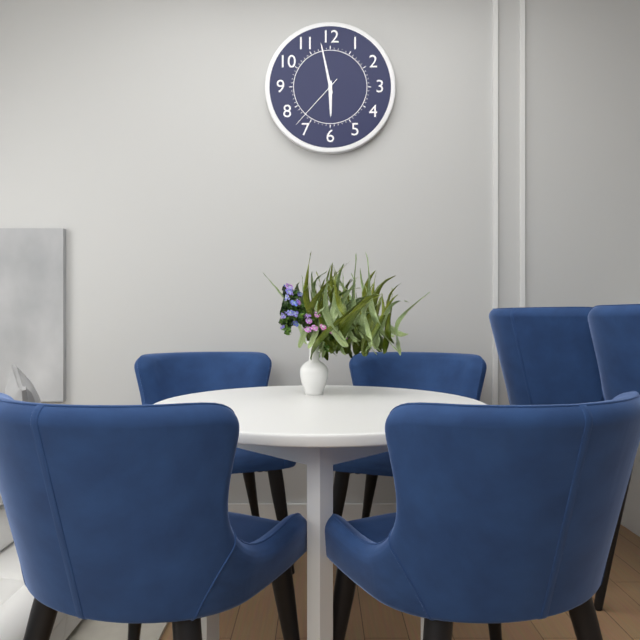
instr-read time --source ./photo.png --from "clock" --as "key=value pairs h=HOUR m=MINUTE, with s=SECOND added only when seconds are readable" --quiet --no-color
h=5 m=58 s=37
